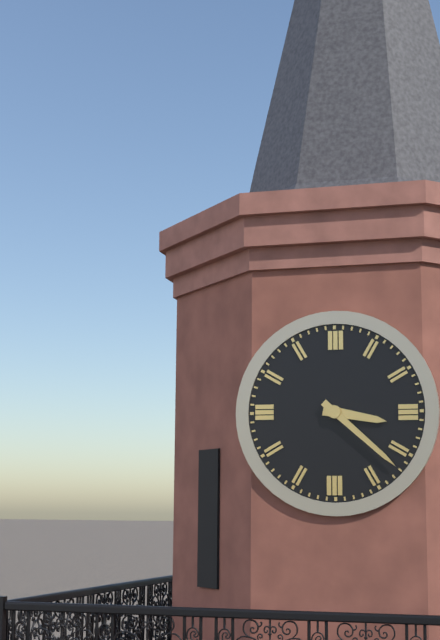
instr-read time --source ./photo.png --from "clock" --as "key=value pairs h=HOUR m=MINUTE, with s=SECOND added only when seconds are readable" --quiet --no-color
h=3 m=22
